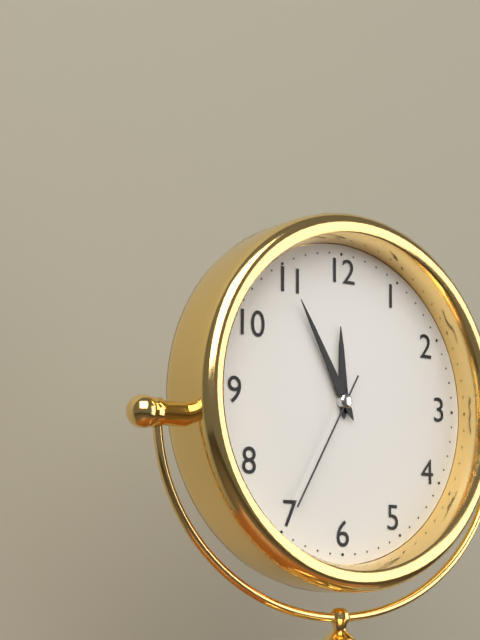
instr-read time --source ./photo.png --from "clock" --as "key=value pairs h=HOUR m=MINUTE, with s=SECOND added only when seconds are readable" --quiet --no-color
h=11 m=55 s=35
